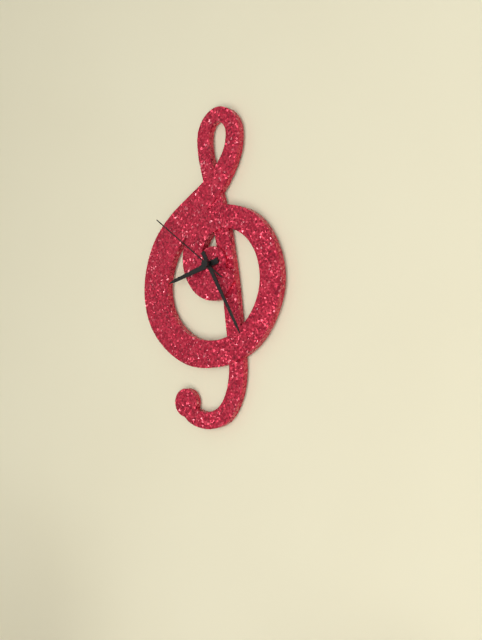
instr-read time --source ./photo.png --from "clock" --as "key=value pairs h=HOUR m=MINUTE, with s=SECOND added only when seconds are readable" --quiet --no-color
h=8 m=25 s=51
